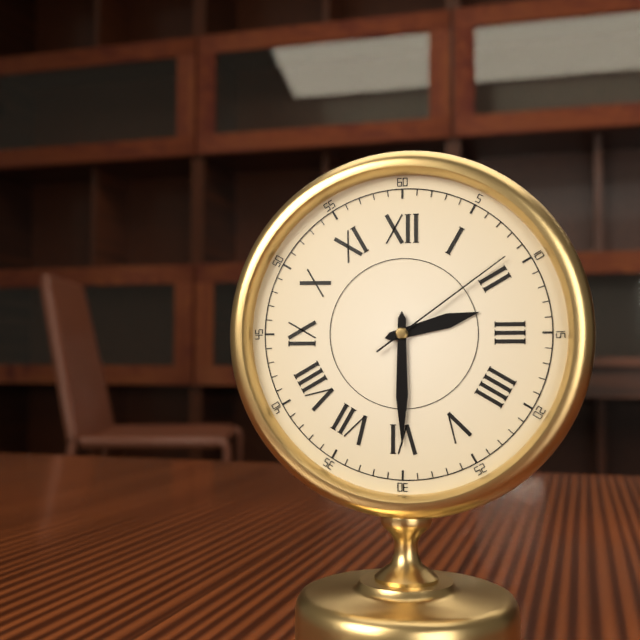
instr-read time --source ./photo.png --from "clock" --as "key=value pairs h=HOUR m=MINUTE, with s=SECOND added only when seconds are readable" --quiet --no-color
h=2 m=30 s=9
